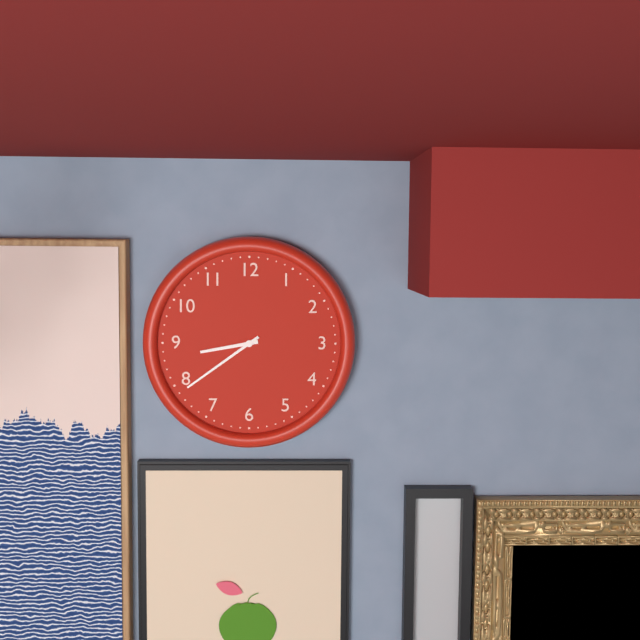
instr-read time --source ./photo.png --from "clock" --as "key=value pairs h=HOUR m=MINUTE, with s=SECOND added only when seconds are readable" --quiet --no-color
h=8 m=39
